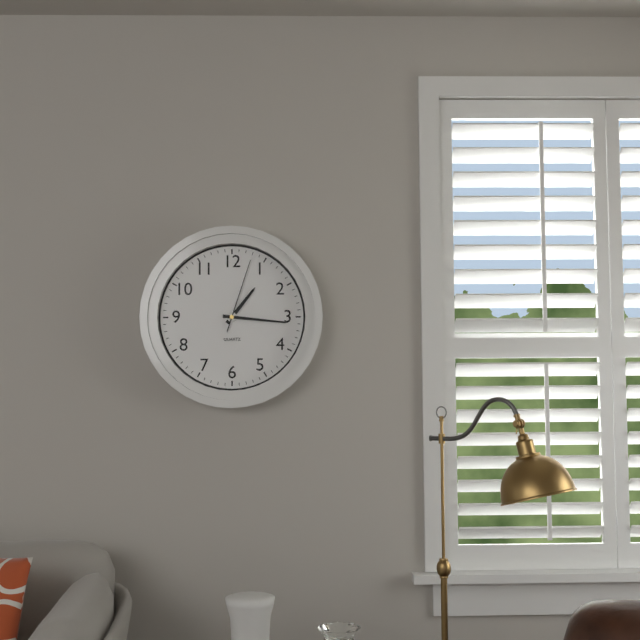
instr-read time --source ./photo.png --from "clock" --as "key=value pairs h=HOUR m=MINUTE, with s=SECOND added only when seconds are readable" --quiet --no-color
h=1 m=16 s=3
